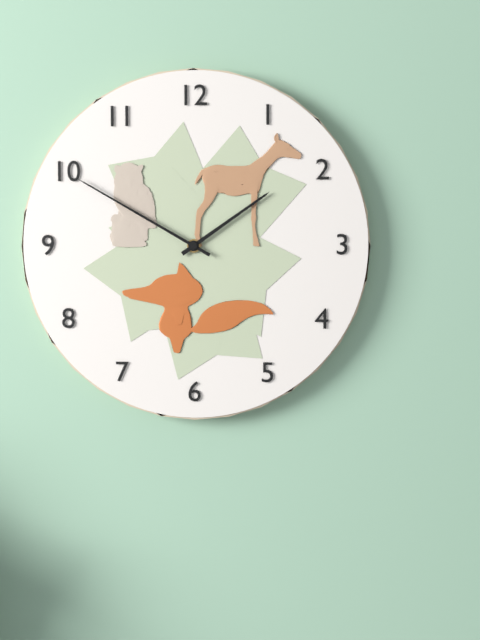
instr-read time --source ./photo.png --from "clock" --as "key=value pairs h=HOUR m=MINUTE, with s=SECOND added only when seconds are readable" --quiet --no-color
h=1 m=50
